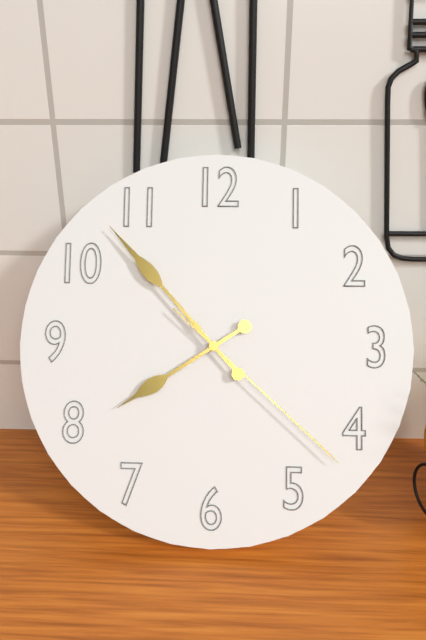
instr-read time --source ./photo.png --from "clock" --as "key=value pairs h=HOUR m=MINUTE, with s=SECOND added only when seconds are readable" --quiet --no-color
h=7 m=53 s=22
